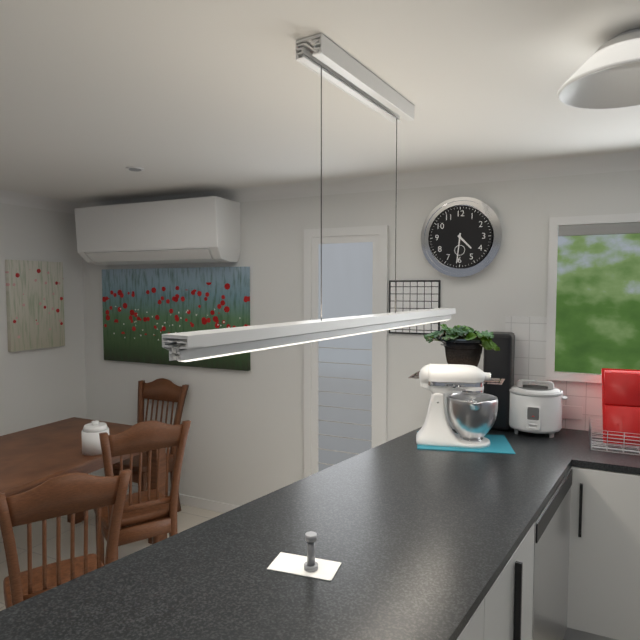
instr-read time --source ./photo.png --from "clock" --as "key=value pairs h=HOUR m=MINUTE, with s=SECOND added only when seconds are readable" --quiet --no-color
h=4 m=31
